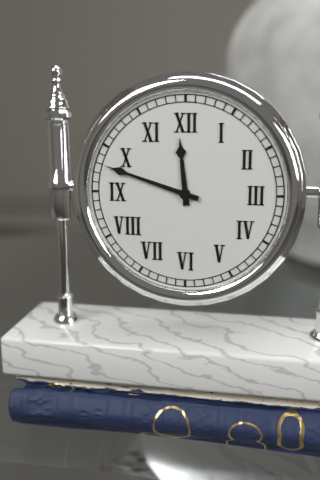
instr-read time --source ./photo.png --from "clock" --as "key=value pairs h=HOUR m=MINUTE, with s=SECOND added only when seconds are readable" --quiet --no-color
h=11 m=48
